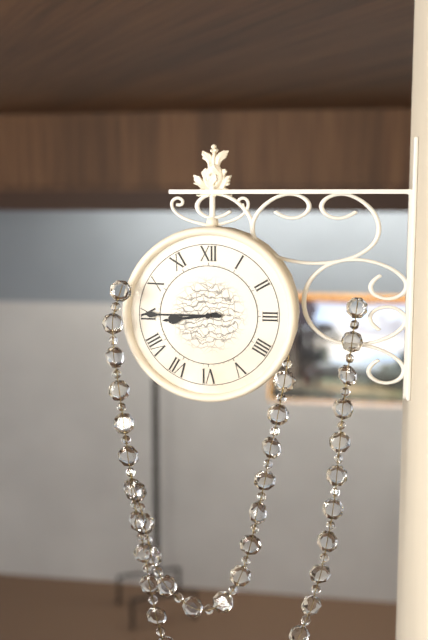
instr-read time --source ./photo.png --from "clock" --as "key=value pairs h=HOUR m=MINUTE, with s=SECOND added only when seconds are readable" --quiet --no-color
h=8 m=45
